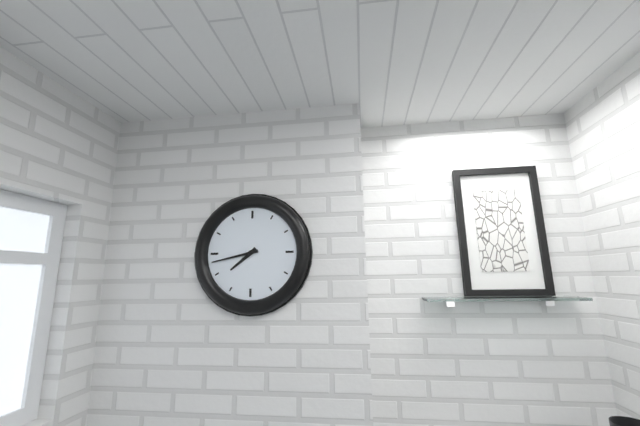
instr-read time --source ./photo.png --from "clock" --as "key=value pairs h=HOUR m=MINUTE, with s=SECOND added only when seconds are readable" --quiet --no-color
h=7 m=43
